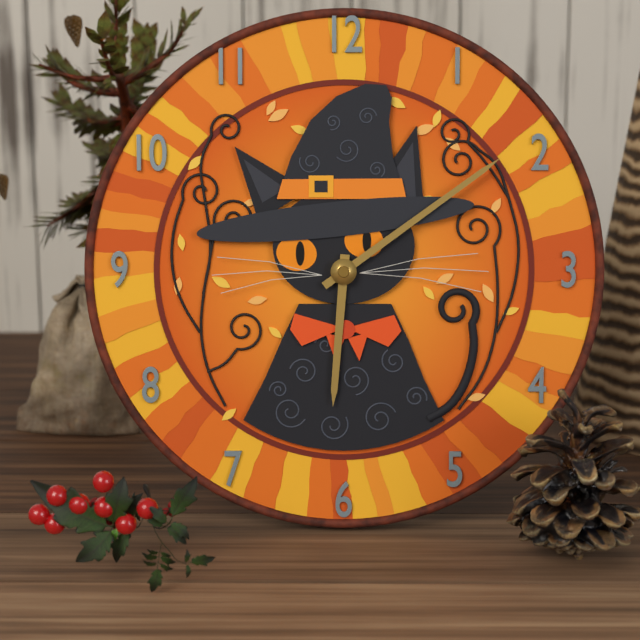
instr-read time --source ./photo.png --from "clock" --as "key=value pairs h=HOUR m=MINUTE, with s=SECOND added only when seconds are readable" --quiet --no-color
h=6 m=9
